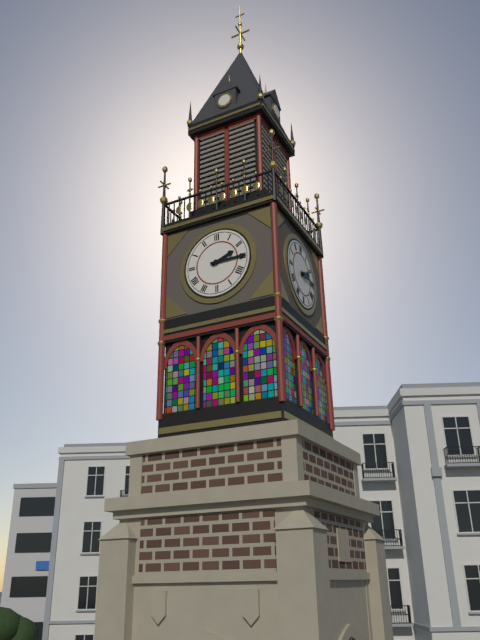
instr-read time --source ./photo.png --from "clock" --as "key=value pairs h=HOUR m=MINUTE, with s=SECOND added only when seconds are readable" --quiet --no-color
h=2 m=15
